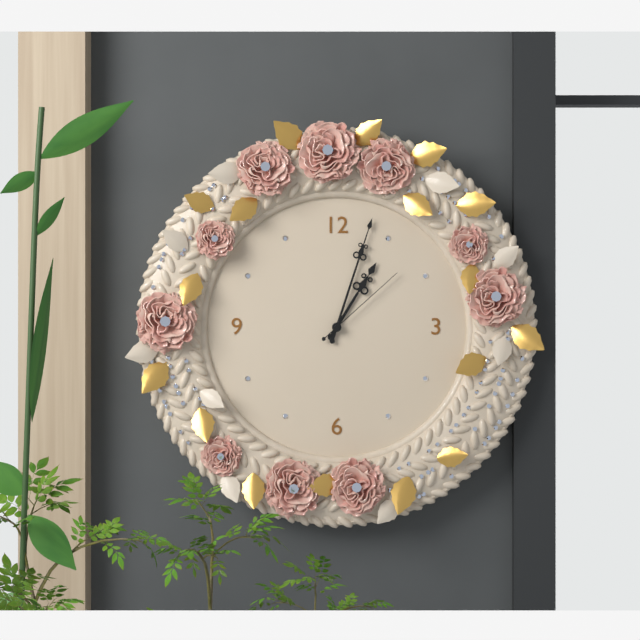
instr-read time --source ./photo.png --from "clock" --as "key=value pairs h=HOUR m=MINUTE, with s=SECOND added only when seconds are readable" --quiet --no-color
h=1 m=3 s=8
